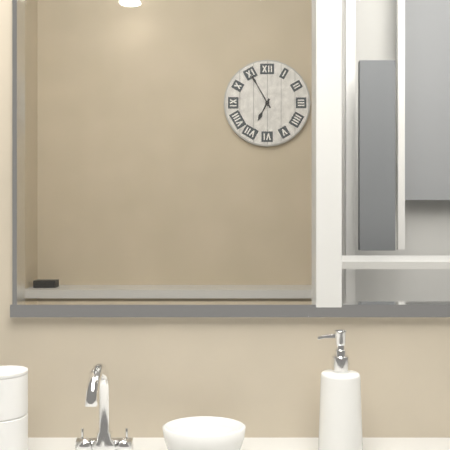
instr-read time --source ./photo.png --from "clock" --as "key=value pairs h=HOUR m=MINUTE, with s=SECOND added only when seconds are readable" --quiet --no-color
h=6 m=55
